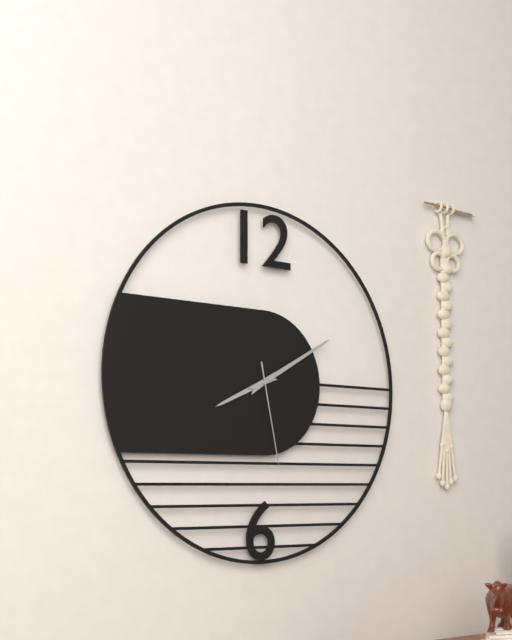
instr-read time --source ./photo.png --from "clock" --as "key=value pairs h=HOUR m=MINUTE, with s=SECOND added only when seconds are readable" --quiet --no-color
h=8 m=10 s=28
